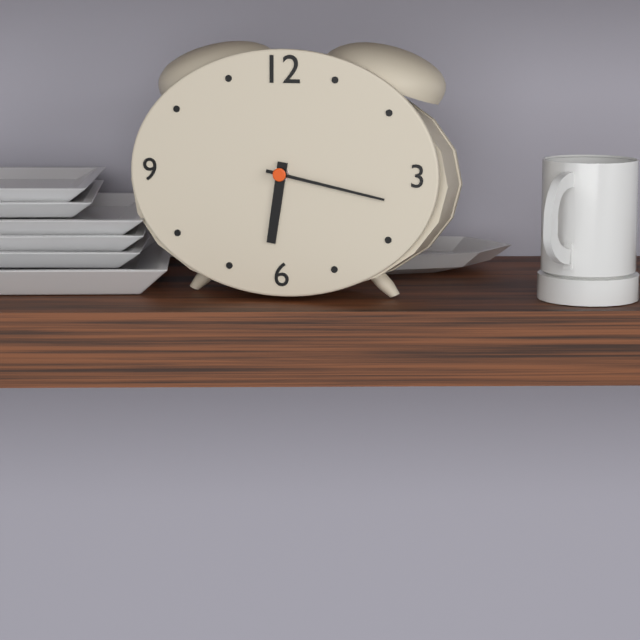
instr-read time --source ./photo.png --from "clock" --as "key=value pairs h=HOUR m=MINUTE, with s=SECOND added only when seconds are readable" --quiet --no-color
h=6 m=17
